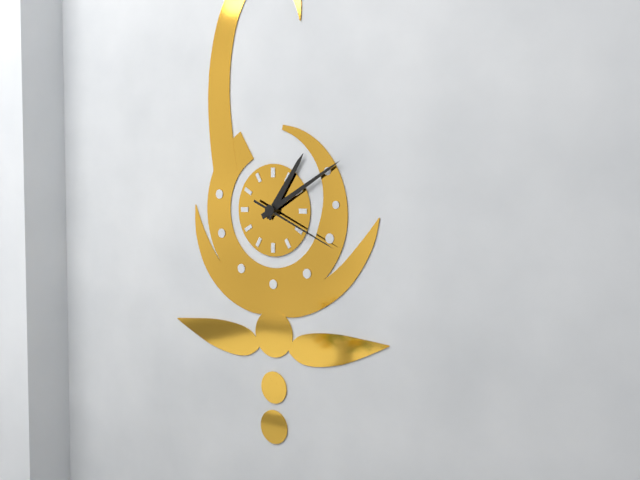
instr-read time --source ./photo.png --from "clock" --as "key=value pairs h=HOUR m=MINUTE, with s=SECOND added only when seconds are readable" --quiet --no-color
h=1 m=10 s=19
